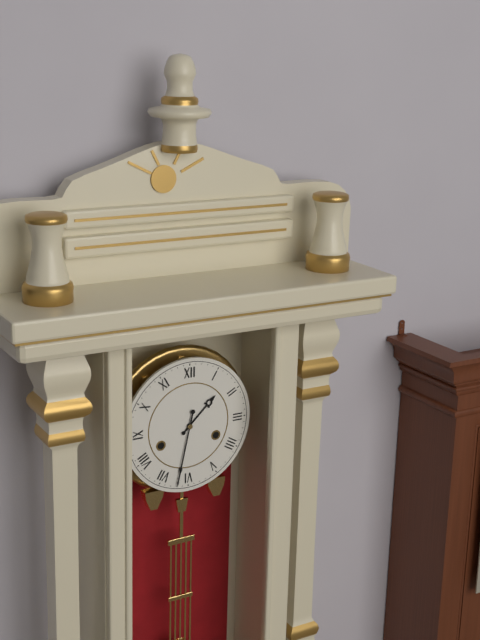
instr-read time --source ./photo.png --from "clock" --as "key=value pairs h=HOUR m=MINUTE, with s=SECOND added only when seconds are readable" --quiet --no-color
h=1 m=32
